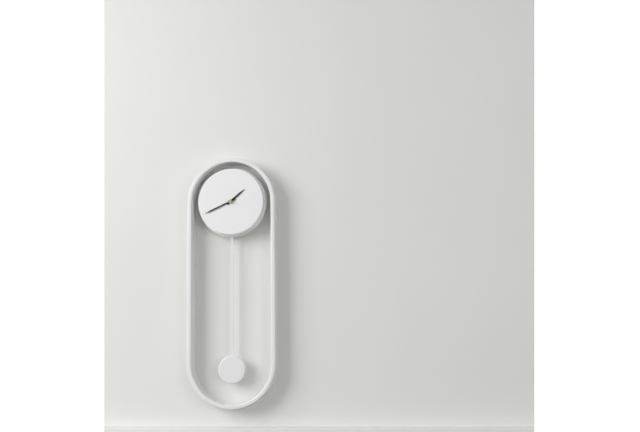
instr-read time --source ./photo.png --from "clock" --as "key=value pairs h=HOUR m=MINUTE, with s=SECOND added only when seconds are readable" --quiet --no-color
h=1 m=41
